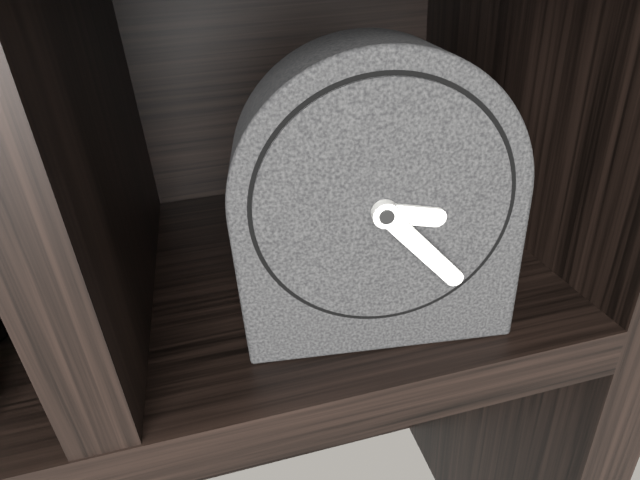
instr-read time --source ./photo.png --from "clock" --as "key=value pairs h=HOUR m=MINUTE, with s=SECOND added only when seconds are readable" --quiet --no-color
h=3 m=23
